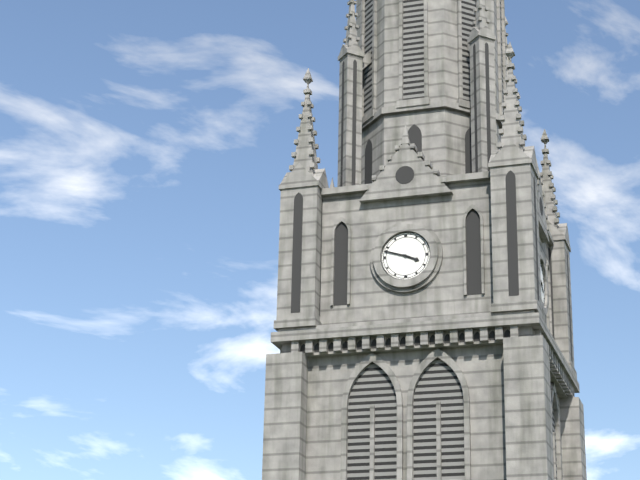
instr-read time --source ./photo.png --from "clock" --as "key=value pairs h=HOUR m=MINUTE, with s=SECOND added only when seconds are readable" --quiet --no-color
h=3 m=48
